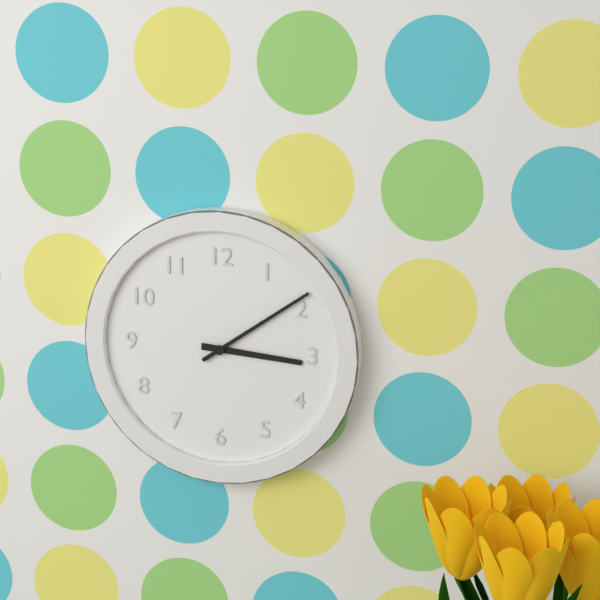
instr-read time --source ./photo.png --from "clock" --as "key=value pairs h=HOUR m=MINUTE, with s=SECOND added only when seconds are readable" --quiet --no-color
h=3 m=9
